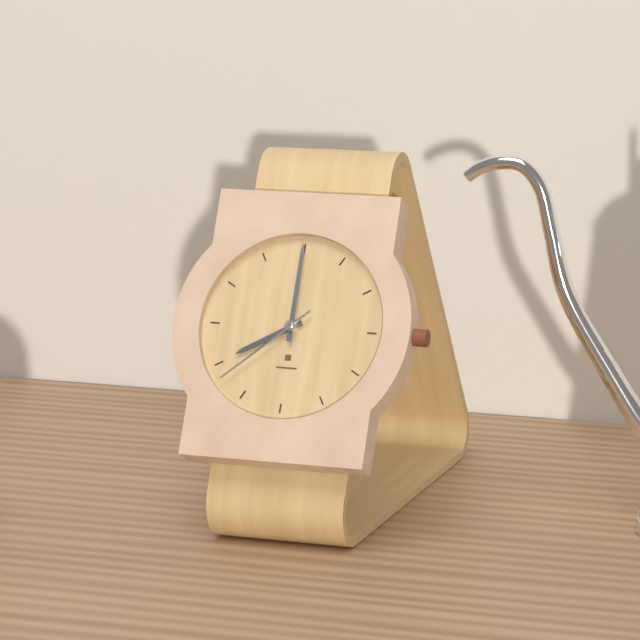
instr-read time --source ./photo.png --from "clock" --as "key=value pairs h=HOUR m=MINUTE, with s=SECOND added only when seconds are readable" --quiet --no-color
h=8 m=0 s=38
